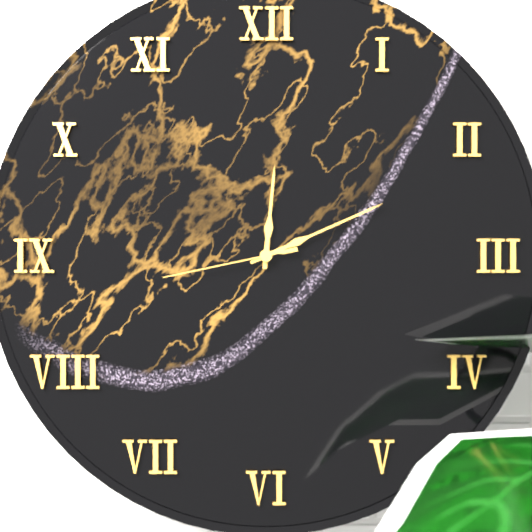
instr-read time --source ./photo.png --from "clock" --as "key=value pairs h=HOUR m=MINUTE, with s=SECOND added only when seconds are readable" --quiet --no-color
h=12 m=11 s=43
